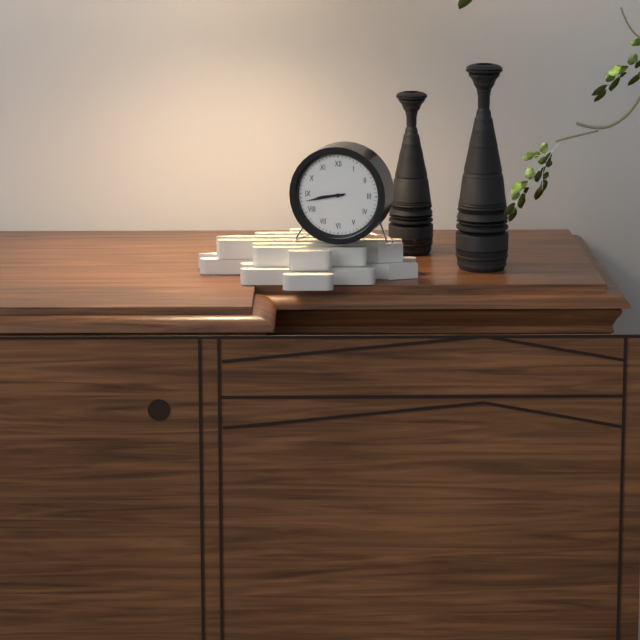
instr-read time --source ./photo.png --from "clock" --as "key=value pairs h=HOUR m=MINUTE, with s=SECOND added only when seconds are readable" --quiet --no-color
h=8 m=43
